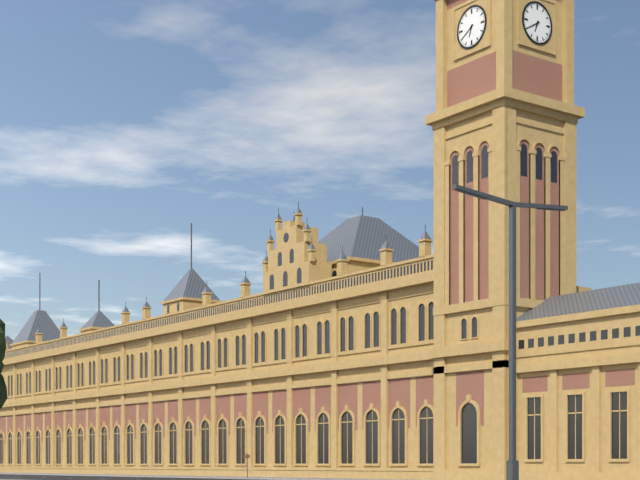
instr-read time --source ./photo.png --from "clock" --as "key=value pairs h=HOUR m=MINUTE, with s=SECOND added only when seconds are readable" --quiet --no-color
h=6 m=40
